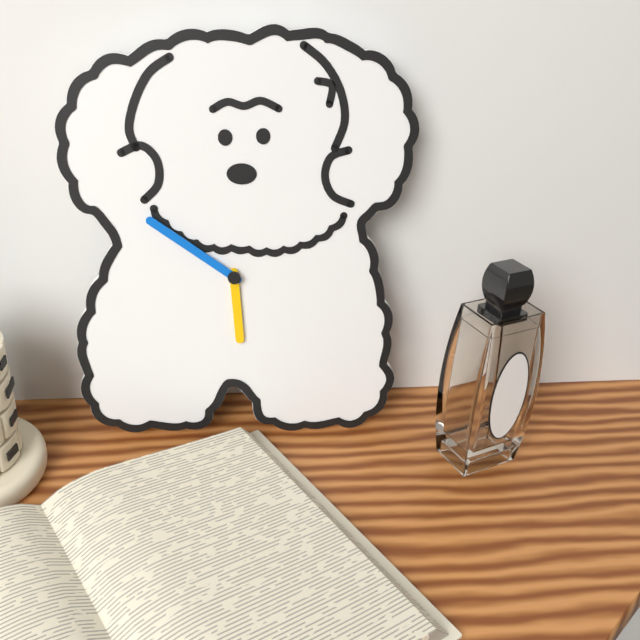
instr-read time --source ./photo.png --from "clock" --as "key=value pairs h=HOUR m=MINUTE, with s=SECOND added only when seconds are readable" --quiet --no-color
h=5 m=51
